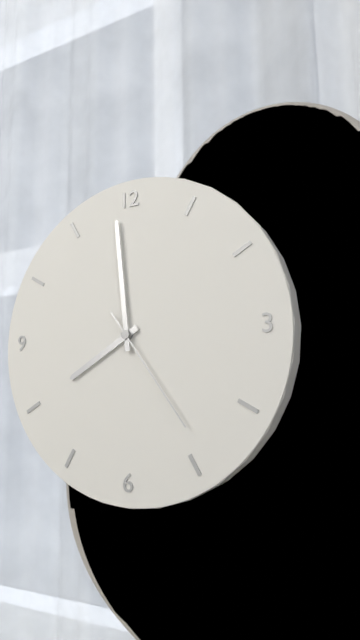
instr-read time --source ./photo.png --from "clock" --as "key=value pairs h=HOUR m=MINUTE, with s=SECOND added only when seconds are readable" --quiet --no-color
h=7 m=59 s=24
